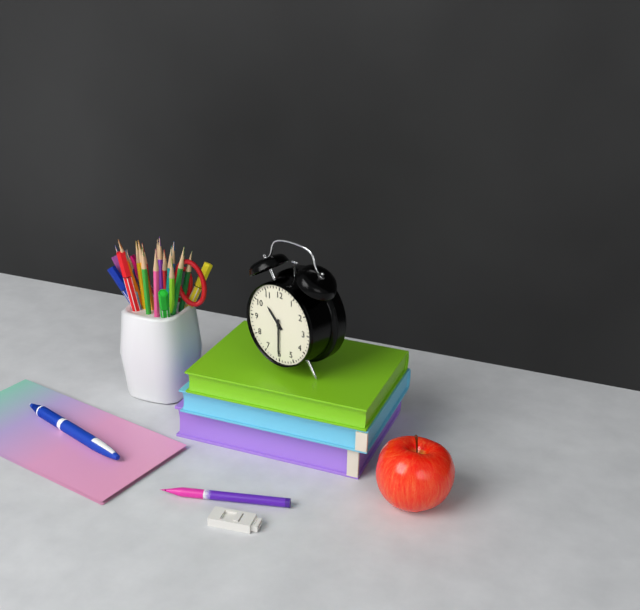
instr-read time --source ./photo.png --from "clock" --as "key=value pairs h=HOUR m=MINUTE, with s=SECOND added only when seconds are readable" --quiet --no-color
h=10 m=30
